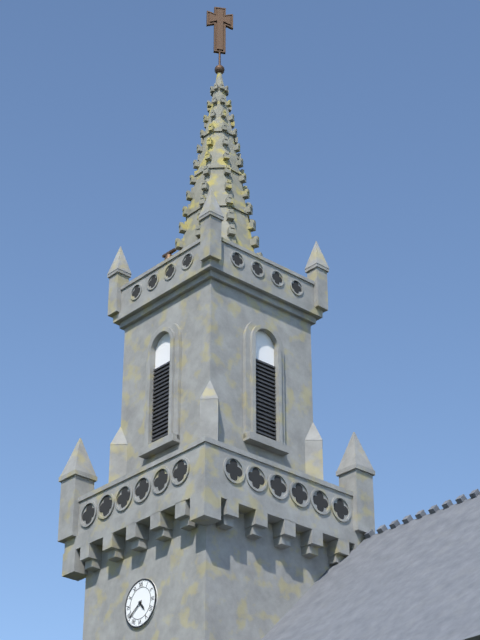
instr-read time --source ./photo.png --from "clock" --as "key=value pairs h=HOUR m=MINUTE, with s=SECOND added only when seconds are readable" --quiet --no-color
h=4 m=39
